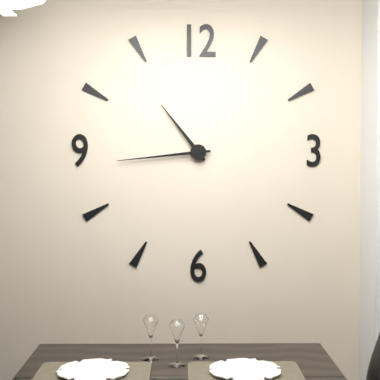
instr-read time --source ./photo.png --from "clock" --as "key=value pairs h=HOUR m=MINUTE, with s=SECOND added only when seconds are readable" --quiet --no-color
h=10 m=44
